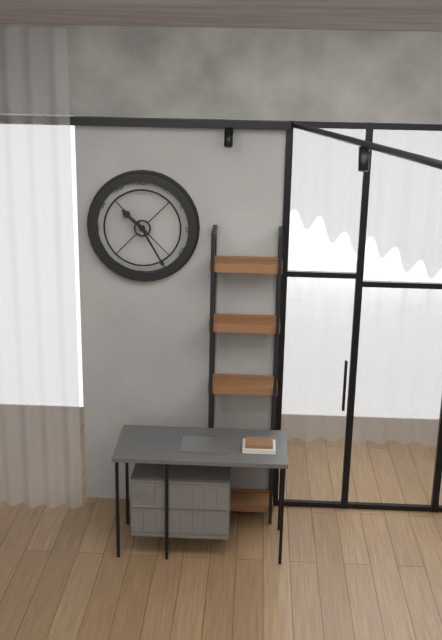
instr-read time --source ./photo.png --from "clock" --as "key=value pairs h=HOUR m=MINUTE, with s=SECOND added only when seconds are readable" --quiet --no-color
h=10 m=25
